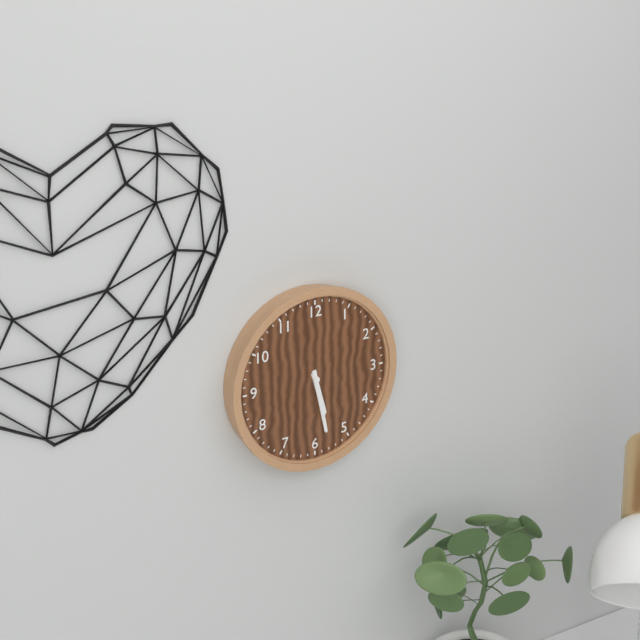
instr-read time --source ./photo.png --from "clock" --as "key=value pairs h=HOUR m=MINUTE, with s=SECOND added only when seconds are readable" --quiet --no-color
h=5 m=28
